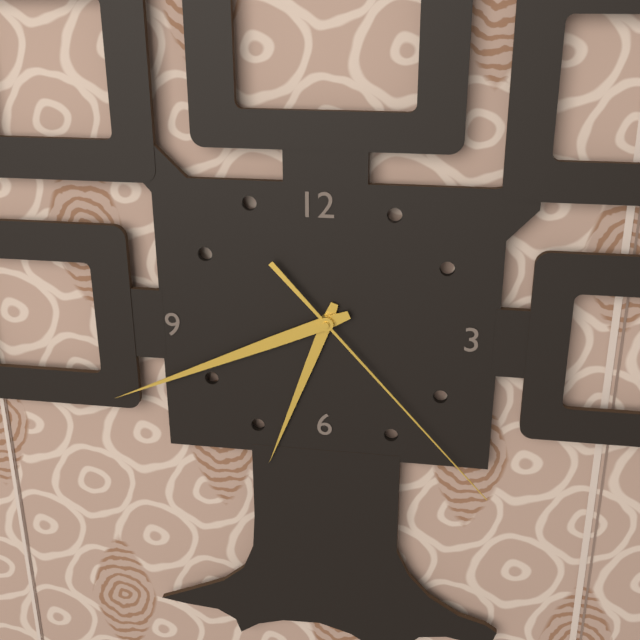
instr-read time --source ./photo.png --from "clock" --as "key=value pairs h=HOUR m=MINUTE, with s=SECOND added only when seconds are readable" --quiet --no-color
h=6 m=41 s=23
